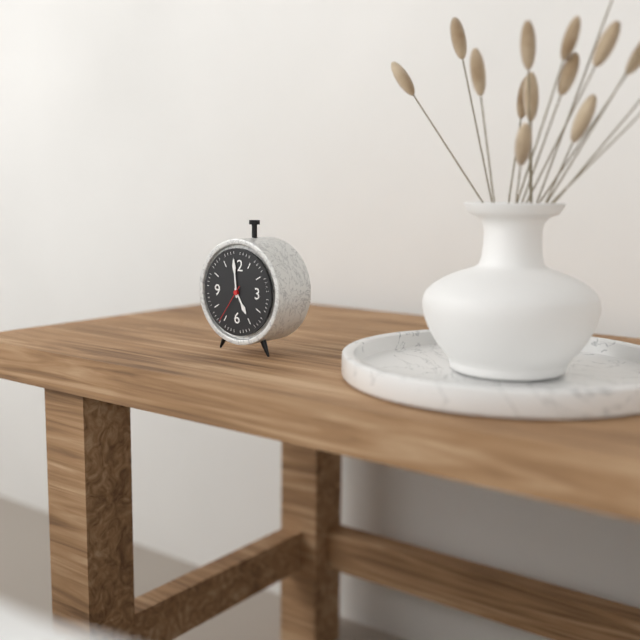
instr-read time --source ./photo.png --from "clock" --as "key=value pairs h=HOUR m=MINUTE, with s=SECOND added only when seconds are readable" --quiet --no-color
h=4 m=59
